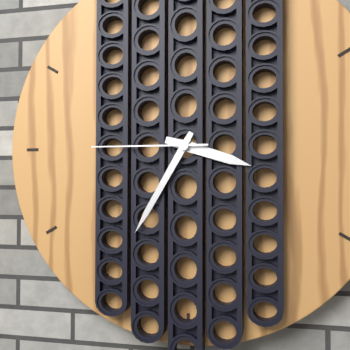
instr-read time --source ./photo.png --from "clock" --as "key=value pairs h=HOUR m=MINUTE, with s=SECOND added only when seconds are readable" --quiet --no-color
h=3 m=35 s=45
